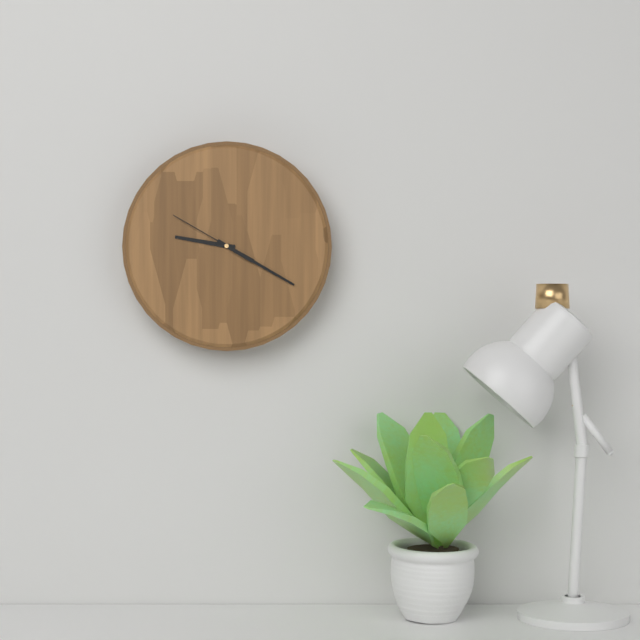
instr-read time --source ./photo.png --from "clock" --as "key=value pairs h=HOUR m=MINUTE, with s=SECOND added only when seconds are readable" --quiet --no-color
h=9 m=20 s=50
